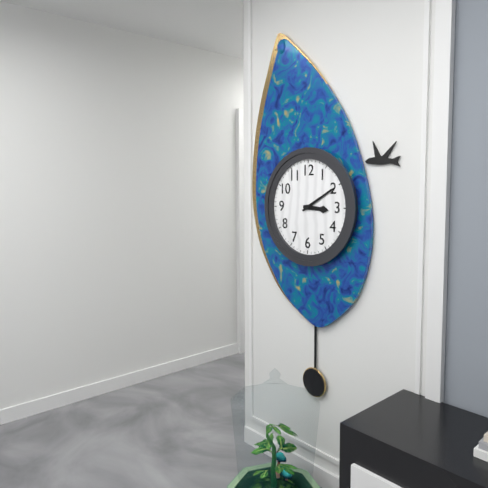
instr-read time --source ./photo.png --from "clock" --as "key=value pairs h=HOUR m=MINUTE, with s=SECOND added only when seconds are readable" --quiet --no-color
h=3 m=10
